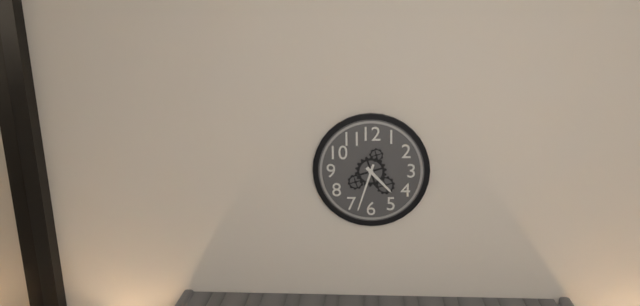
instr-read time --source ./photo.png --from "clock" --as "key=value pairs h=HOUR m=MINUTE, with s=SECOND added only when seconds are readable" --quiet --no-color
h=4 m=33
